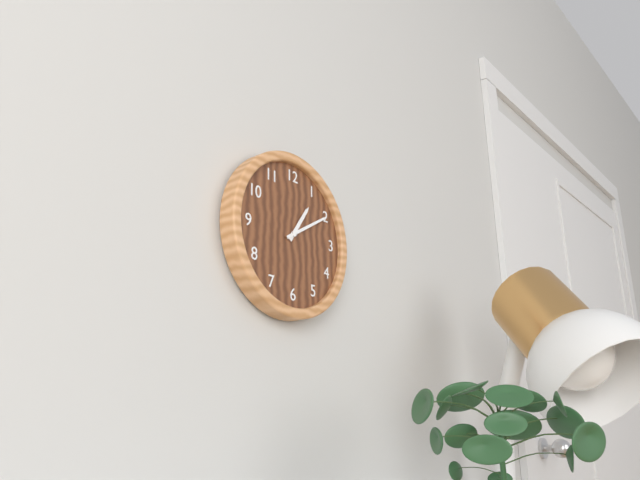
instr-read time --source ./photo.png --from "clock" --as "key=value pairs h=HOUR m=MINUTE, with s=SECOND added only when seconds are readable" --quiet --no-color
h=1 m=10
